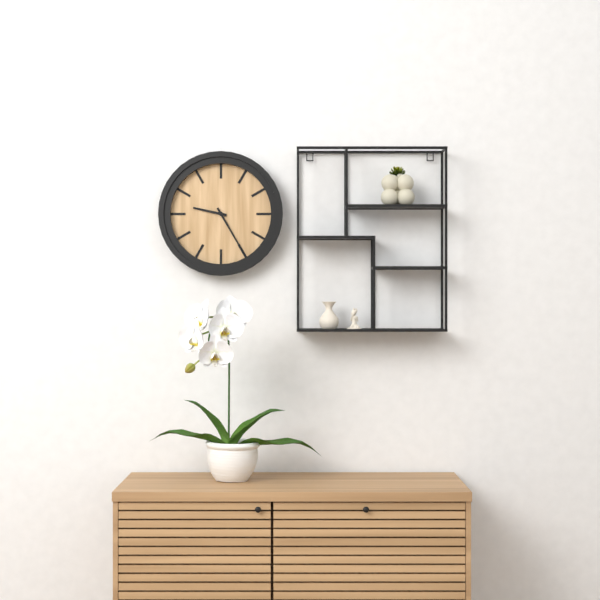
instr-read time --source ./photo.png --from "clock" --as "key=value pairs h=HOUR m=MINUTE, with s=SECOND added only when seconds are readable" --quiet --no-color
h=9 m=25
